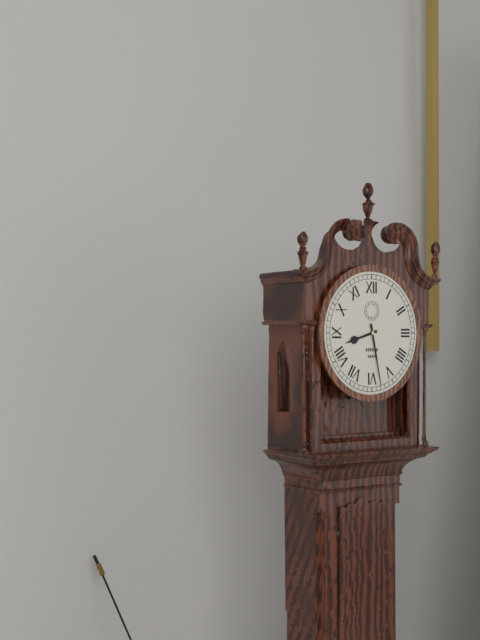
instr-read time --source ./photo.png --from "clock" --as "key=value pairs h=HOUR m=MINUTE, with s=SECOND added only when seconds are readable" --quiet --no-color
h=8 m=28
